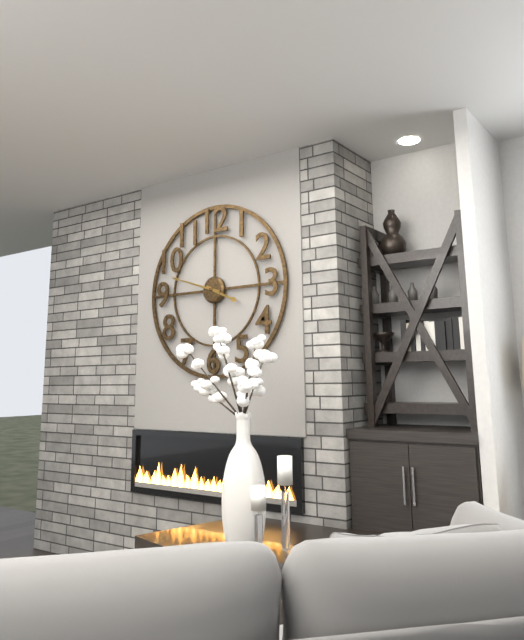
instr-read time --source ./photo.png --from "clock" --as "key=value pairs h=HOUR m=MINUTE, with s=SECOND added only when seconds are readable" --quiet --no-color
h=3 m=48
